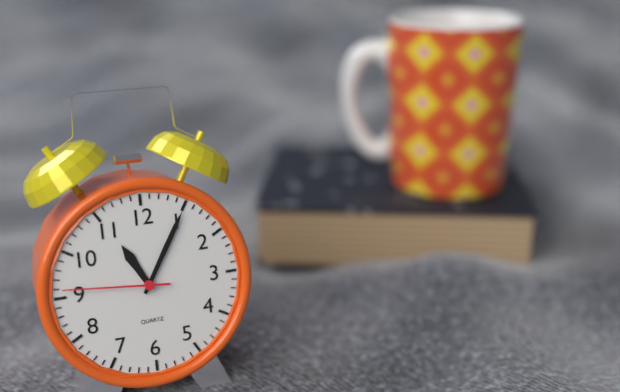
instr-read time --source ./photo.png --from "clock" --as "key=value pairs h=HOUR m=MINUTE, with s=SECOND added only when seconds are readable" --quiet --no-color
h=11 m=5 s=46
